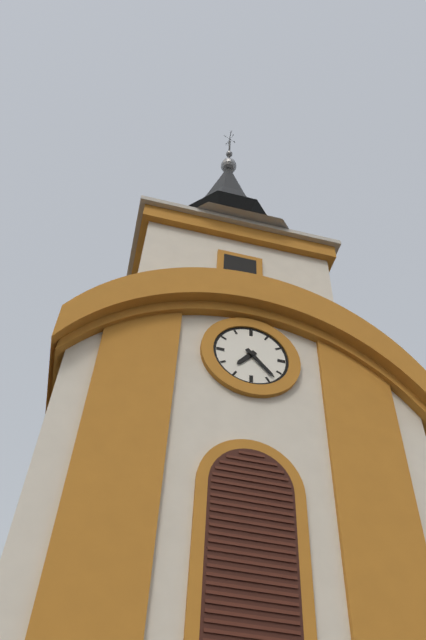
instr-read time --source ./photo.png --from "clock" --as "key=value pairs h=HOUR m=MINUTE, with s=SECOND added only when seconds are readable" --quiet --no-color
h=7 m=23
